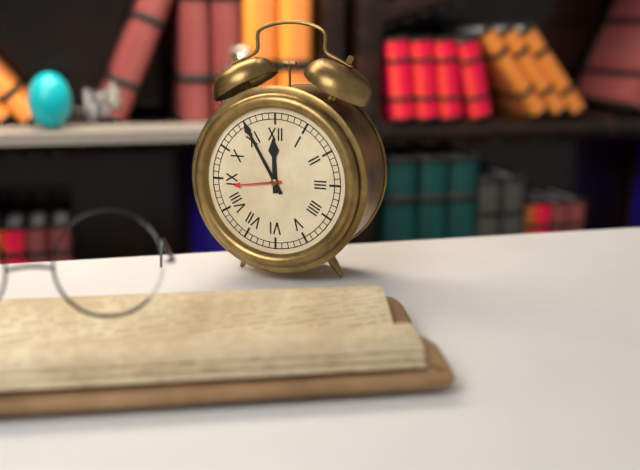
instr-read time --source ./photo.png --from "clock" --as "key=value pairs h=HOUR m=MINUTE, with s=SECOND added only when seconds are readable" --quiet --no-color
h=11 m=55
